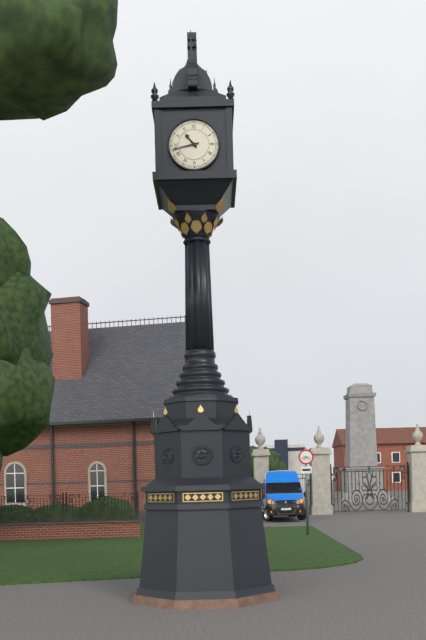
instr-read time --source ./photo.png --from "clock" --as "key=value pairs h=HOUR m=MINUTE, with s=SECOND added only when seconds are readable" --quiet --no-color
h=10 m=43
